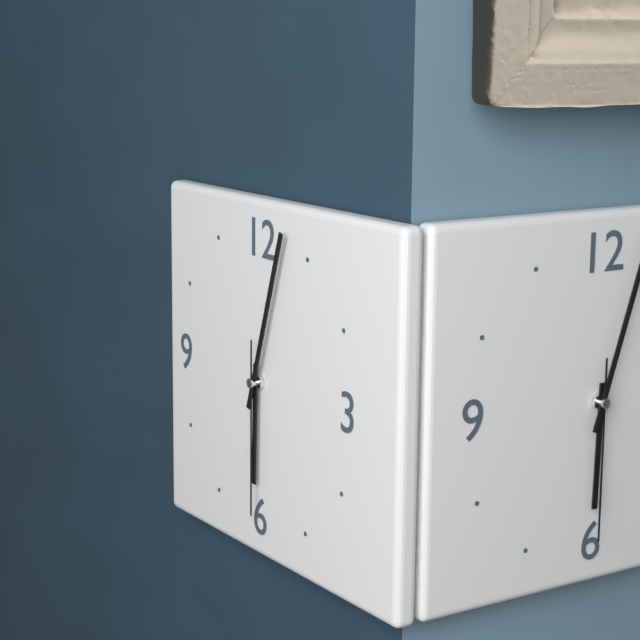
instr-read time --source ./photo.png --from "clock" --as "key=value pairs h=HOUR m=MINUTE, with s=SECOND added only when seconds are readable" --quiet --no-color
h=6 m=3 s=30
